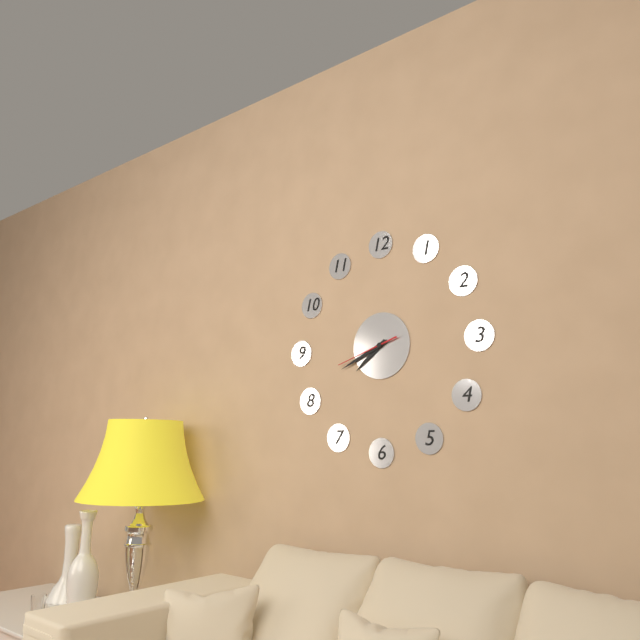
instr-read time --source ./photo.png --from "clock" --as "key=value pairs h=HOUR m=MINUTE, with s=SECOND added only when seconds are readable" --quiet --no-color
h=7 m=41 s=42
